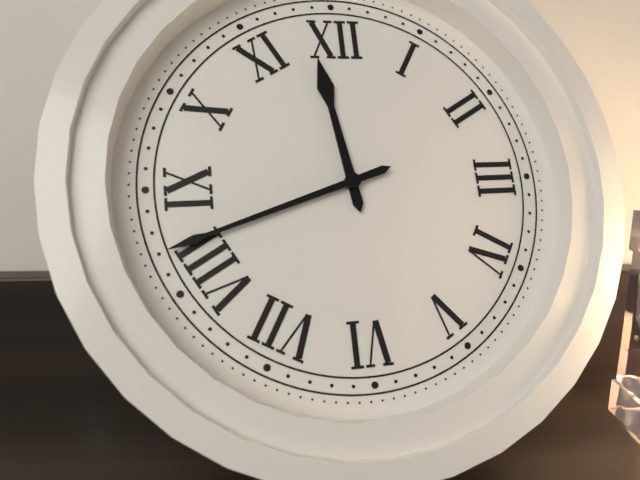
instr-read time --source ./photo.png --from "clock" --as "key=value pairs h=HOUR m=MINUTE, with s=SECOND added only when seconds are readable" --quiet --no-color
h=11 m=42
